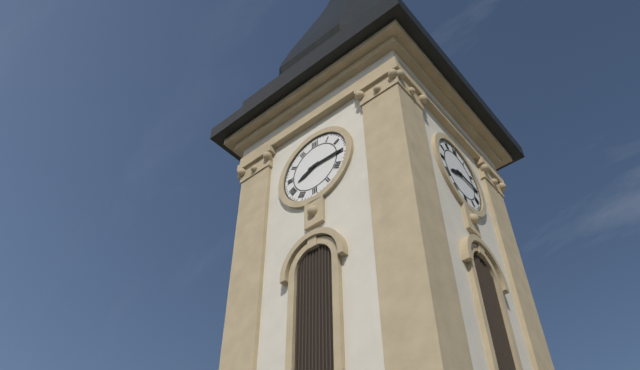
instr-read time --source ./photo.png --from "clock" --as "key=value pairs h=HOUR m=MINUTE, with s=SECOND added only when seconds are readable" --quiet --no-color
h=8 m=15
